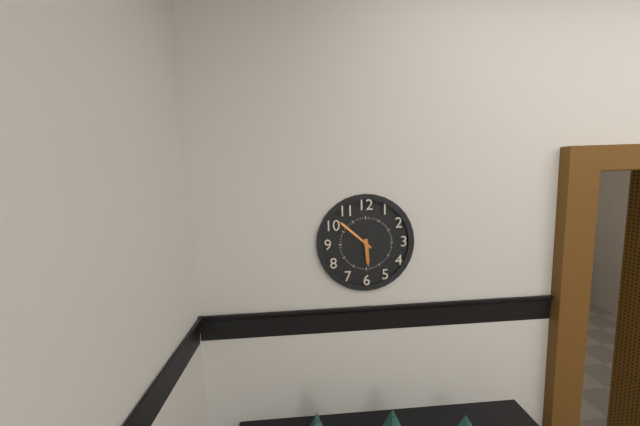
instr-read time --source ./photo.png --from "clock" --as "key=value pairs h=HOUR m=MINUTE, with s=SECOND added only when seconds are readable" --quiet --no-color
h=5 m=52
